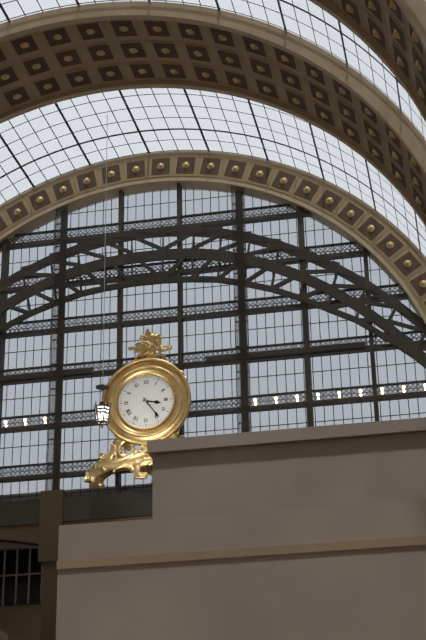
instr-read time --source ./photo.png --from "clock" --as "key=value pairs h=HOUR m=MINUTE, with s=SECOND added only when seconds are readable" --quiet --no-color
h=3 m=24
